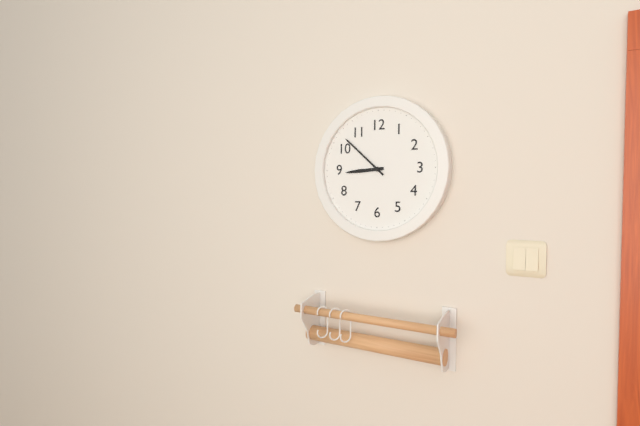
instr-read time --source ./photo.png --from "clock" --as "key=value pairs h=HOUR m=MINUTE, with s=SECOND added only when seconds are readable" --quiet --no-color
h=8 m=52
